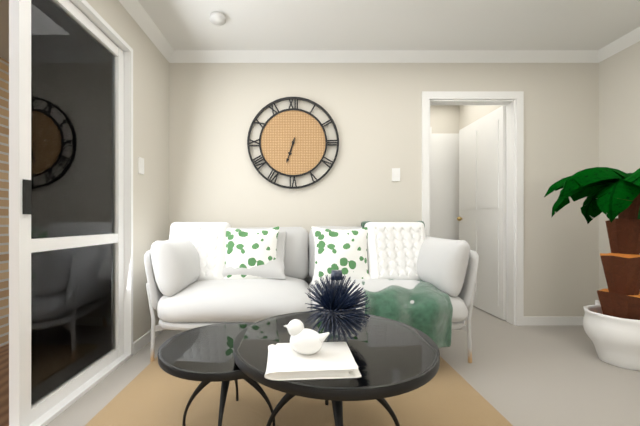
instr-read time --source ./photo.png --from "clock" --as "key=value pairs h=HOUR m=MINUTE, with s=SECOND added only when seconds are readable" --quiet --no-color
h=6 m=33
